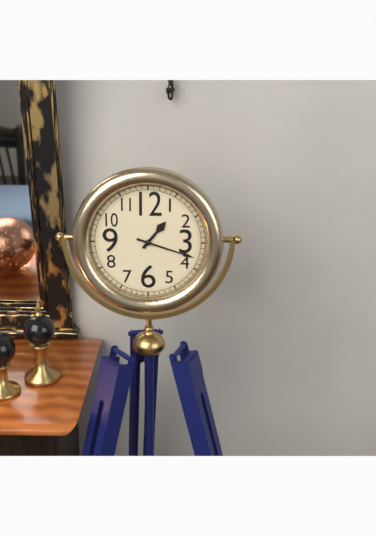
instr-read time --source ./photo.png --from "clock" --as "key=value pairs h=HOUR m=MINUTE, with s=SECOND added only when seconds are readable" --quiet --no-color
h=1 m=18
